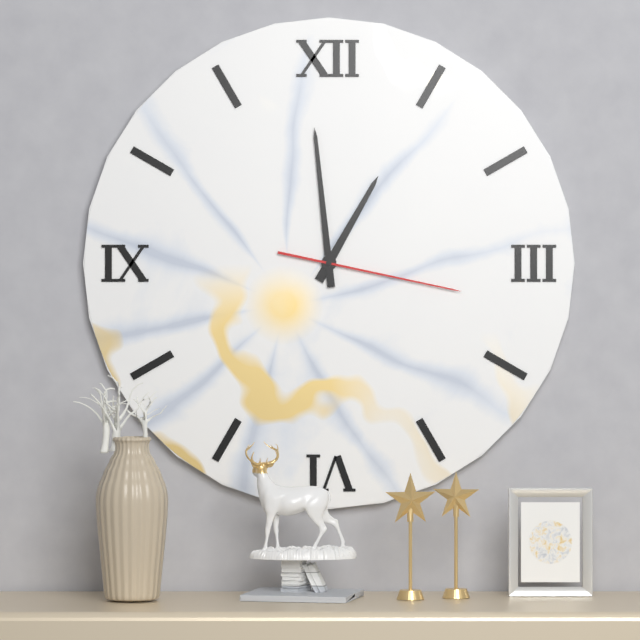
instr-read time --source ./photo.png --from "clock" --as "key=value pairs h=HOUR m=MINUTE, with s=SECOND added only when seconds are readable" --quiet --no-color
h=12 m=59 s=17
